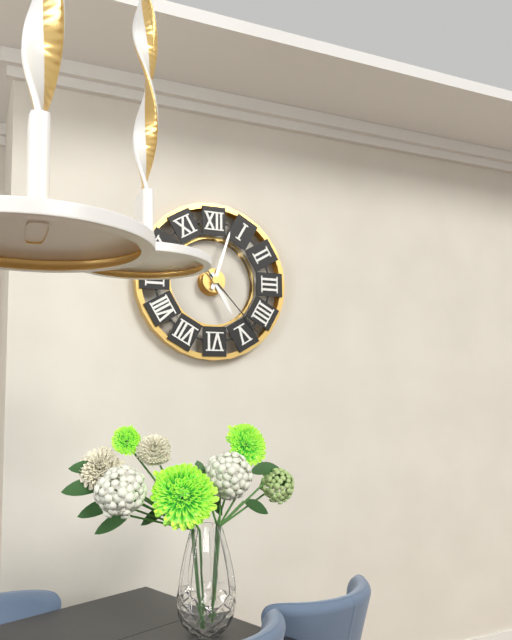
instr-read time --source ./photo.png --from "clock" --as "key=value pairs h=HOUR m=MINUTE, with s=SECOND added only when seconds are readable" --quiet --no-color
h=5 m=3 s=23
